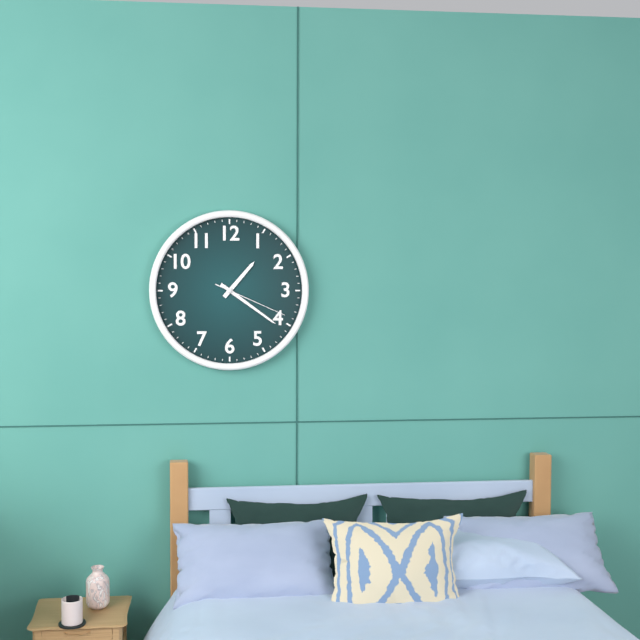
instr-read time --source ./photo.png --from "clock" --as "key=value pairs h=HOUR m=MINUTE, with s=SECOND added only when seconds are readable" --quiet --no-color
h=1 m=21 s=19
